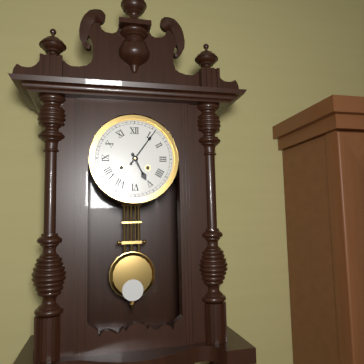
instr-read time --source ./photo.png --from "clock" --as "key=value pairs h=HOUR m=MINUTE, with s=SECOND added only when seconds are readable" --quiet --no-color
h=5 m=6
